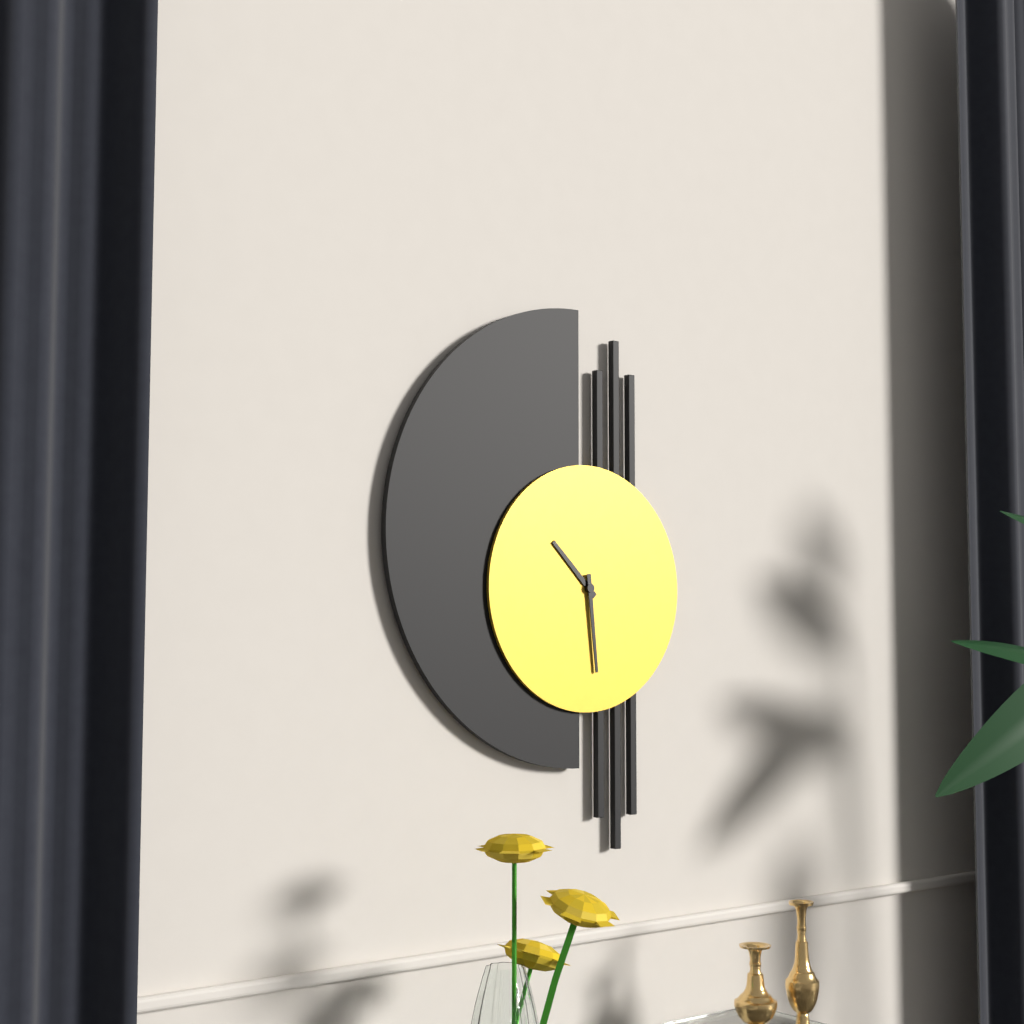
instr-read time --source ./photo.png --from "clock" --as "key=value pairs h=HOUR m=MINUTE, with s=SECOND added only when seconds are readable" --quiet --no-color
h=10 m=29
